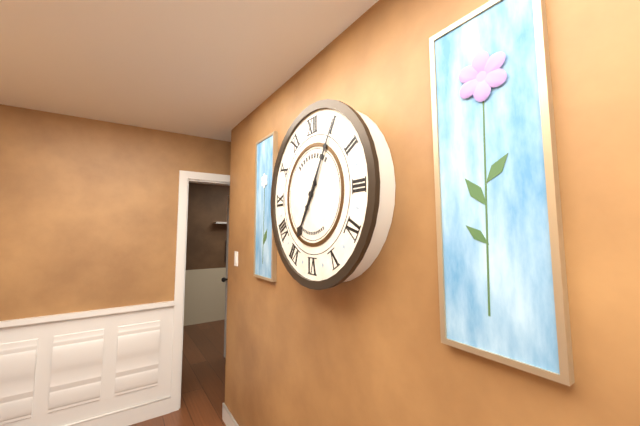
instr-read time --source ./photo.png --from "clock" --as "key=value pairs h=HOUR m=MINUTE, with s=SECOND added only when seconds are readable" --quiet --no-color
h=7 m=5
